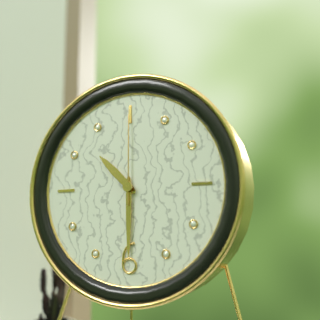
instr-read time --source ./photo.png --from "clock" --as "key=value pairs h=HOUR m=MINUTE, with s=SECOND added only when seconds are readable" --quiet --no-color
h=10 m=30 s=0
